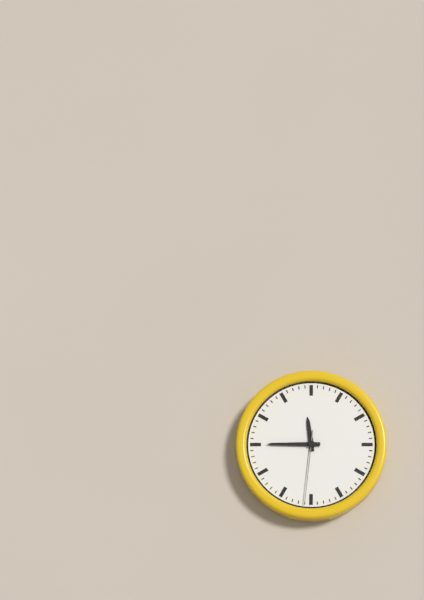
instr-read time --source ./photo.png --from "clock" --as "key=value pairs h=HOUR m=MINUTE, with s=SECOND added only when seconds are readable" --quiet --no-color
h=11 m=45 s=31
